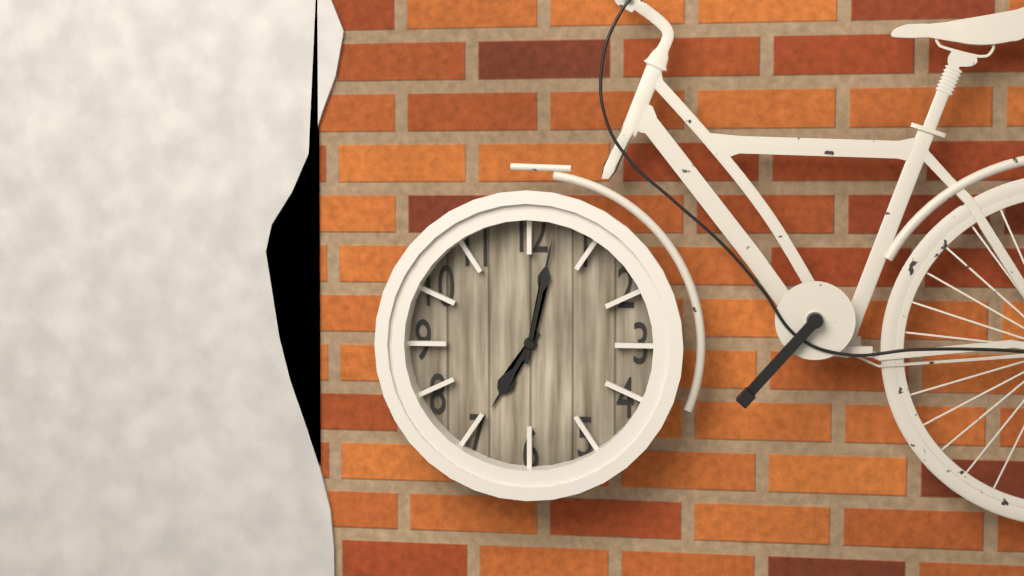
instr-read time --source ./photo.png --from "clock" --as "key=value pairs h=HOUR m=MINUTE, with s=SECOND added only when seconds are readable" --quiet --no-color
h=7 m=2
